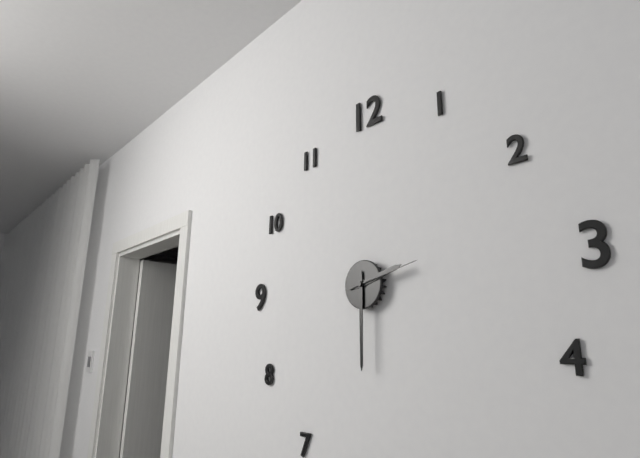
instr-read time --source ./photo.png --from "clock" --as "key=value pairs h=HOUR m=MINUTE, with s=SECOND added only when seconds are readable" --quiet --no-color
h=2 m=30 s=13
